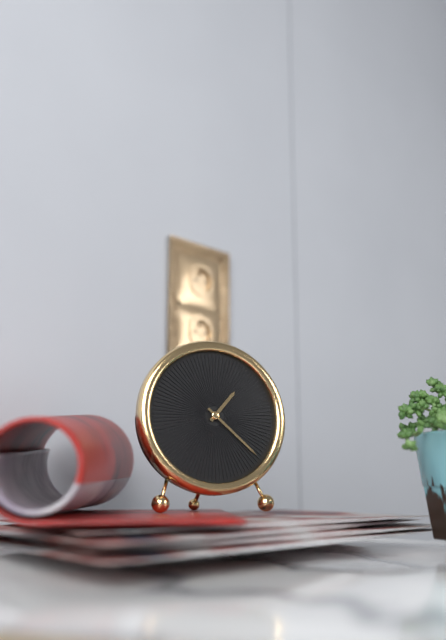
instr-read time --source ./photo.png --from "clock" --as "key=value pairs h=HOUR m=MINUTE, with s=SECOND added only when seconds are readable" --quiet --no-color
h=1 m=22
